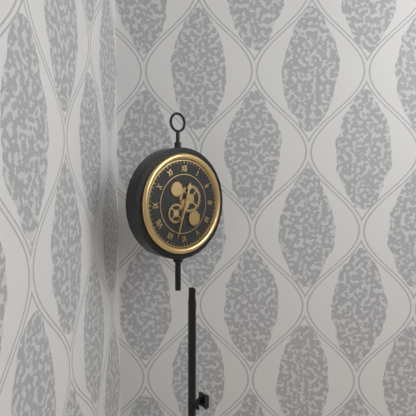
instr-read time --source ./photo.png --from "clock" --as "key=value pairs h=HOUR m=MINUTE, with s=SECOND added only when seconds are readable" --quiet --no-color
h=12 m=33
